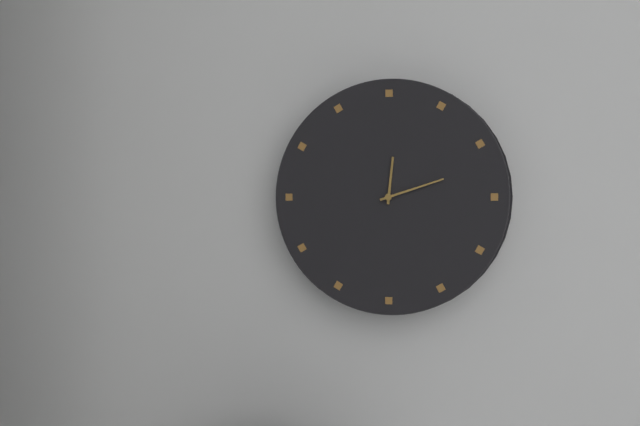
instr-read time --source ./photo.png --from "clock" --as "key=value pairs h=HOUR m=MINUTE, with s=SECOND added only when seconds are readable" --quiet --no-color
h=12 m=12
